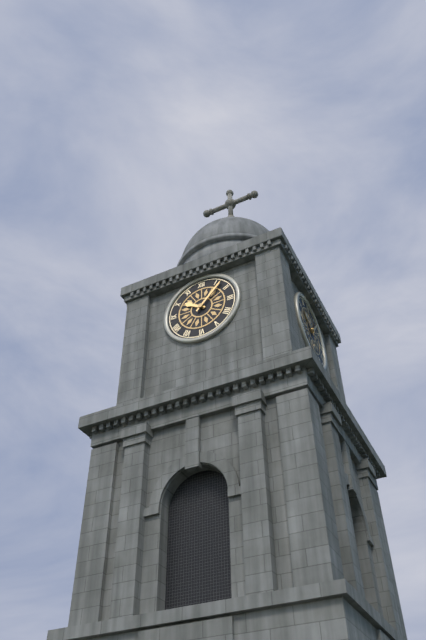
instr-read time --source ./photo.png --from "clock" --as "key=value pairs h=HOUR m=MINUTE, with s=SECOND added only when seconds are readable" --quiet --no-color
h=10 m=7
